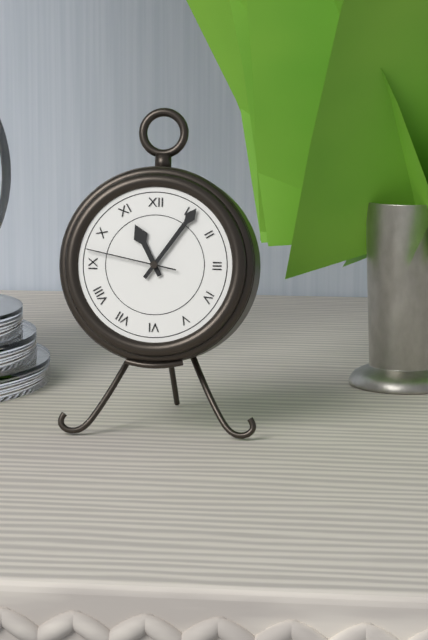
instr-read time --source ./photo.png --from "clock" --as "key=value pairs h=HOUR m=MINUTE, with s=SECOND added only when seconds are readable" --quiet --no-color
h=11 m=6 s=47
